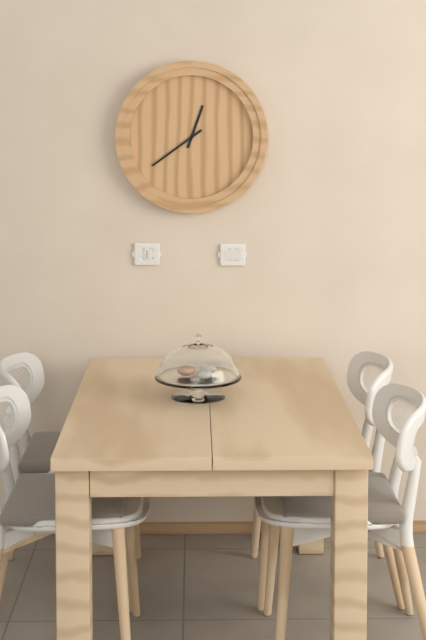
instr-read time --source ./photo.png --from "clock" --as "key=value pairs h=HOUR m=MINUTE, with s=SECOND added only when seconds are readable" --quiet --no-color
h=12 m=39
